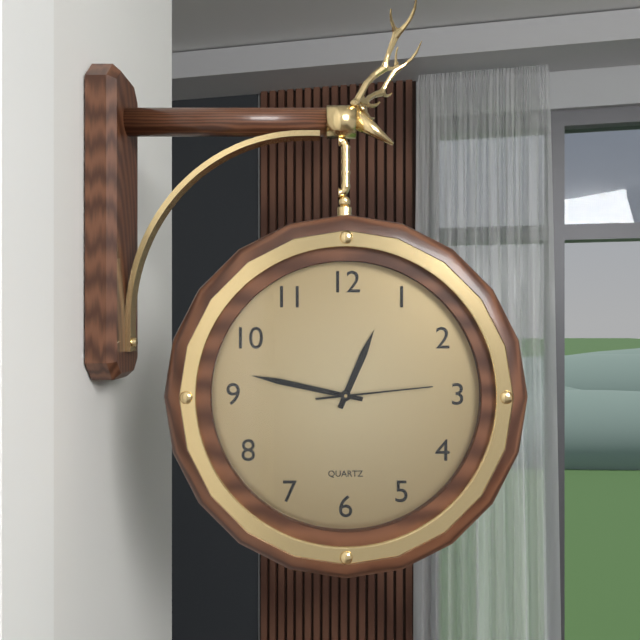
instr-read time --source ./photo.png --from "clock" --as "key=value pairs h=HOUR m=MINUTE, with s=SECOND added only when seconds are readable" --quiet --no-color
h=12 m=47 s=14
